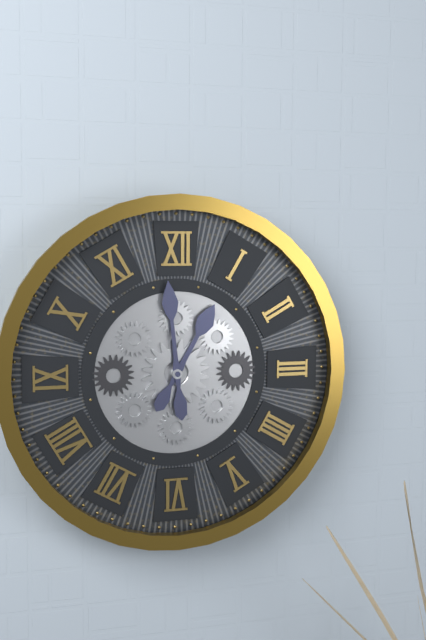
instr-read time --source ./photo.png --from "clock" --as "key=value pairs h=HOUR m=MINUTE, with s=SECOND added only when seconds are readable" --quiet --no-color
h=12 m=59
